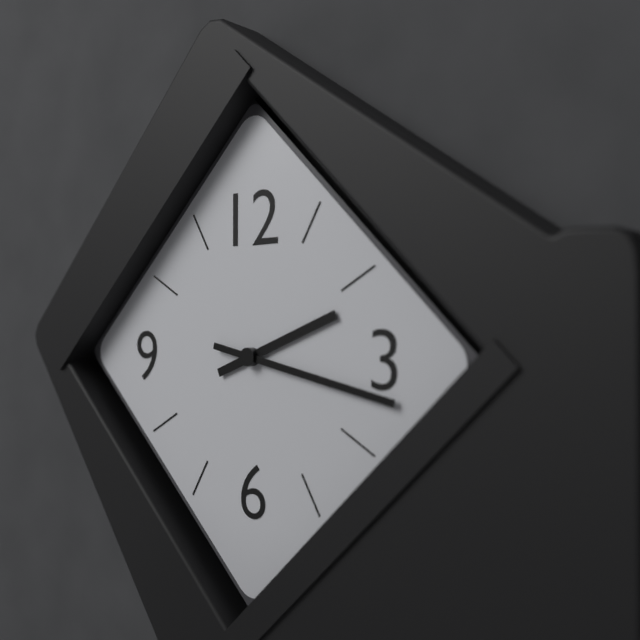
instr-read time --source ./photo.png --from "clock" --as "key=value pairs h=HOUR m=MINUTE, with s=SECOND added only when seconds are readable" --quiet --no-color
h=2 m=17
